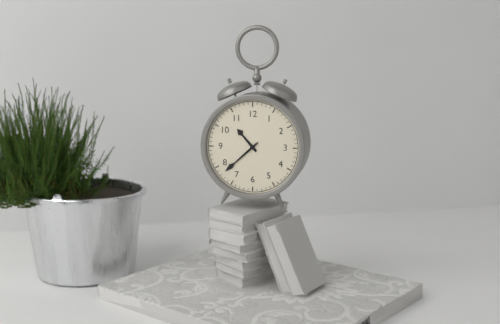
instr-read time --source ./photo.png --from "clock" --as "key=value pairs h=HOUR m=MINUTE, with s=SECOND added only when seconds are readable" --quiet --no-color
h=10 m=38
